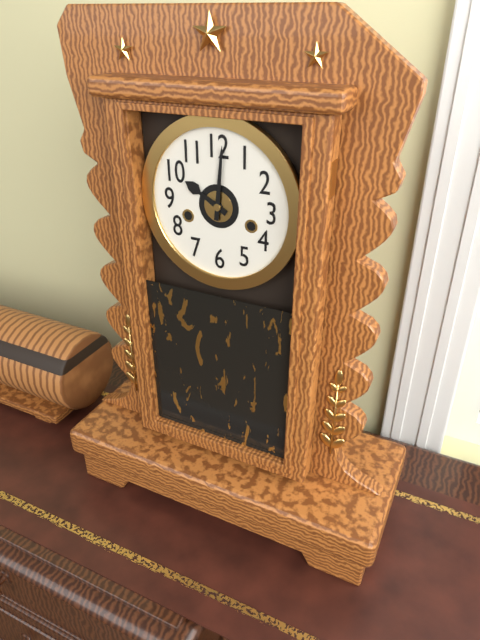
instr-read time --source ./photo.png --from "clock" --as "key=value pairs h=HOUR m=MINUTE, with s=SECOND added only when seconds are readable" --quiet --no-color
h=10 m=1
